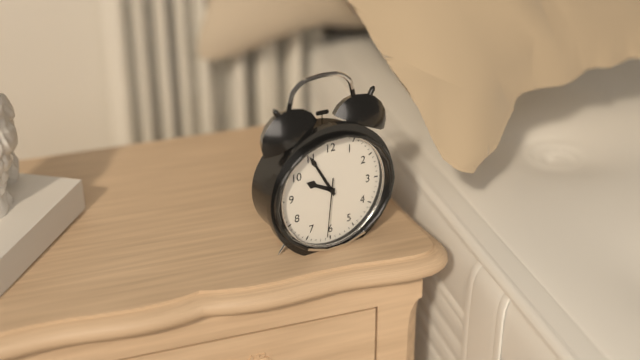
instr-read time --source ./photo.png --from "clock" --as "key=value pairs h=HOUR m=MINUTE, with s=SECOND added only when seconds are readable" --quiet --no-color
h=9 m=55 s=31
